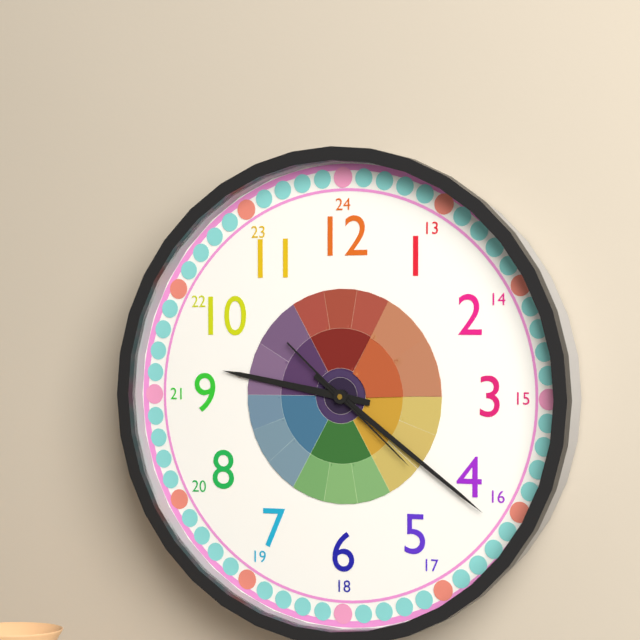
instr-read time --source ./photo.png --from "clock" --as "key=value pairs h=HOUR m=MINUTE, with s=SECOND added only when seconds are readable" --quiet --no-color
h=9 m=21 s=22
